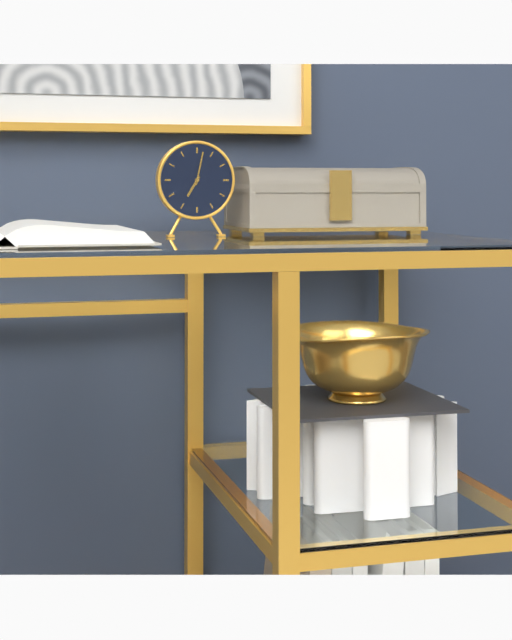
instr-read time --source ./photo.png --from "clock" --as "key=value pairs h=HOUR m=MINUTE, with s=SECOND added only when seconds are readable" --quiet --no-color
h=7 m=2
